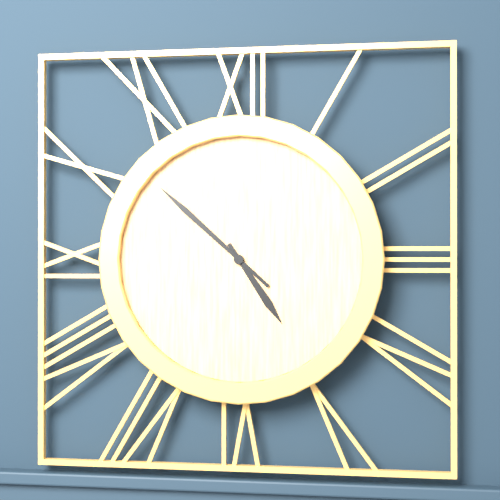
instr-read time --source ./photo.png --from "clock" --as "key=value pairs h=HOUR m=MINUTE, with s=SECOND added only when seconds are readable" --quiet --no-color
h=4 m=52
